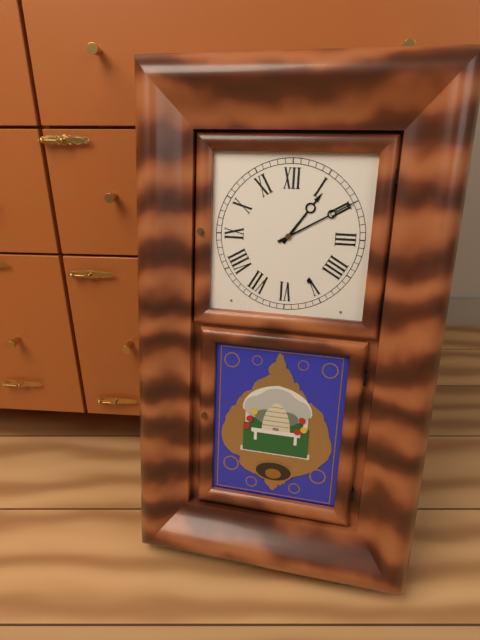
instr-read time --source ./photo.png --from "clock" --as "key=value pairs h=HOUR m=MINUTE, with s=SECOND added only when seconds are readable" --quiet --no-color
h=1 m=10
